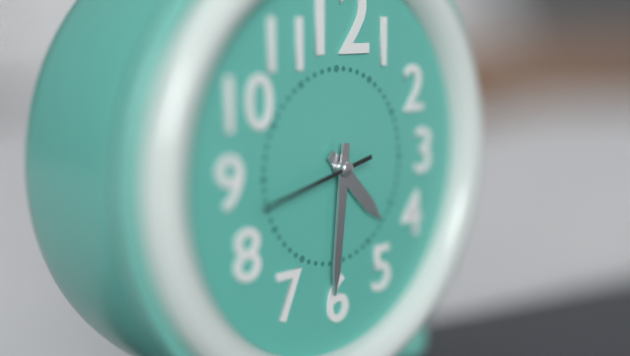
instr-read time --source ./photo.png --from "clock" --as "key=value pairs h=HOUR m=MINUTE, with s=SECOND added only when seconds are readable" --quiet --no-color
h=4 m=31 s=43
